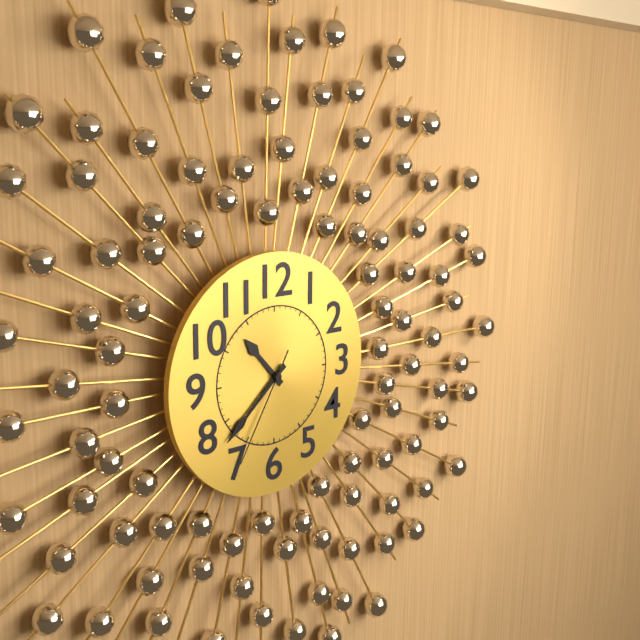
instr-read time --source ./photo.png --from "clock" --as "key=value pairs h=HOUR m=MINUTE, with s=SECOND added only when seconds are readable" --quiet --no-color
h=10 m=38 s=35
